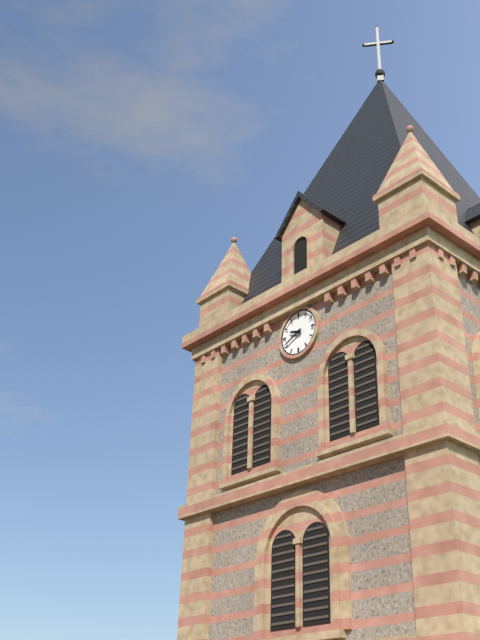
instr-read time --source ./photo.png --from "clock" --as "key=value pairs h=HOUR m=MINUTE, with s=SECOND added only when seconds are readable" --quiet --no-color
h=9 m=41
